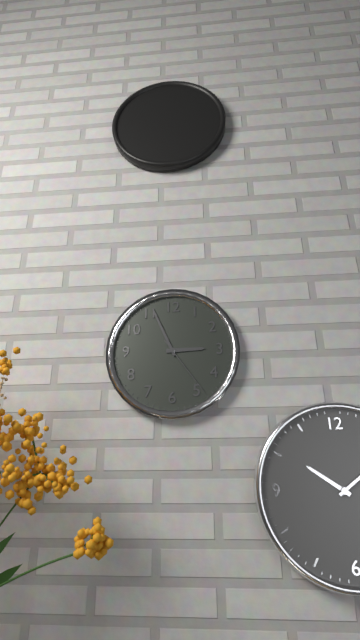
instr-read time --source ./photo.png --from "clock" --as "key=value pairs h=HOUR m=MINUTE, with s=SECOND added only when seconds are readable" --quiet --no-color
h=2 m=56 s=24
